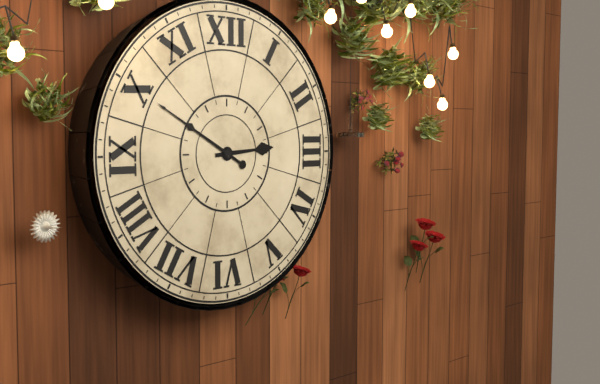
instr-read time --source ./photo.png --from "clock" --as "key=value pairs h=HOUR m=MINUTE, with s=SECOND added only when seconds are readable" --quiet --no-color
h=2 m=50
